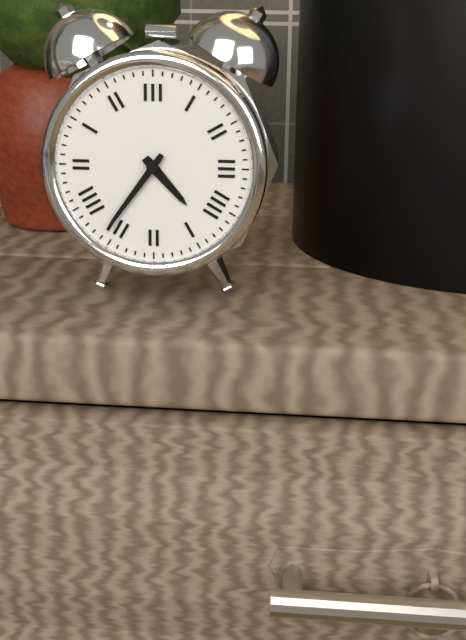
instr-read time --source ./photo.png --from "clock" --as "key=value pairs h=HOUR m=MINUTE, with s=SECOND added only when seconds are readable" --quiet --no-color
h=4 m=36
